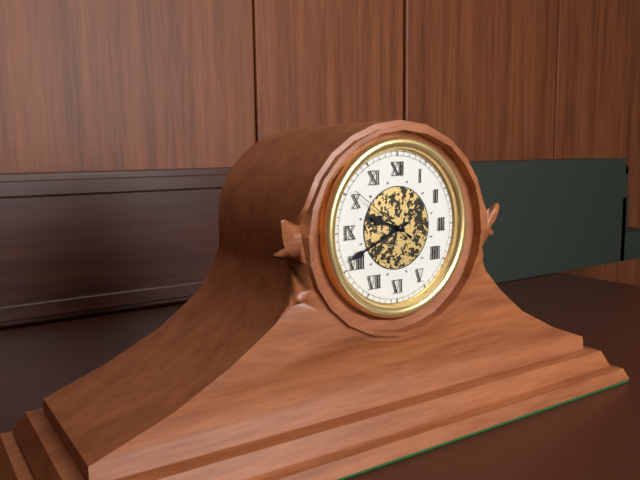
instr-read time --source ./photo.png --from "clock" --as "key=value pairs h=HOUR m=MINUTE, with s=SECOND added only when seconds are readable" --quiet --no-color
h=9 m=41 s=51
